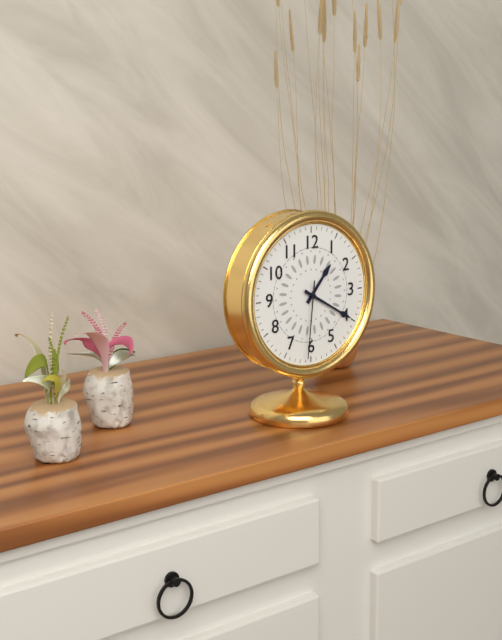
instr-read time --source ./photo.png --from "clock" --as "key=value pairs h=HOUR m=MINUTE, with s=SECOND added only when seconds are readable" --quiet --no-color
h=1 m=20 s=31
